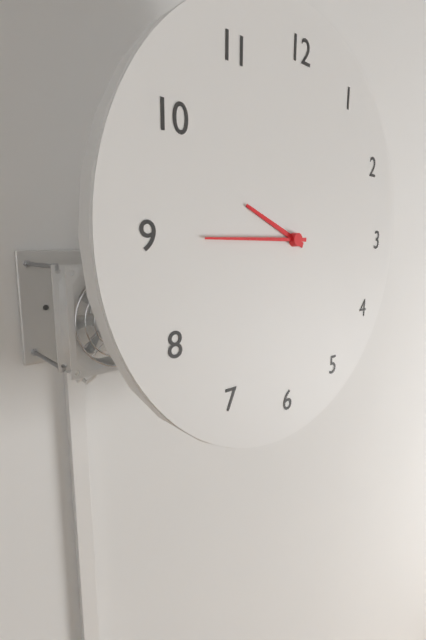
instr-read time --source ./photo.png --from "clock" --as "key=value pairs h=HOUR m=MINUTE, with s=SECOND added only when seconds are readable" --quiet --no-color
h=9 m=45
